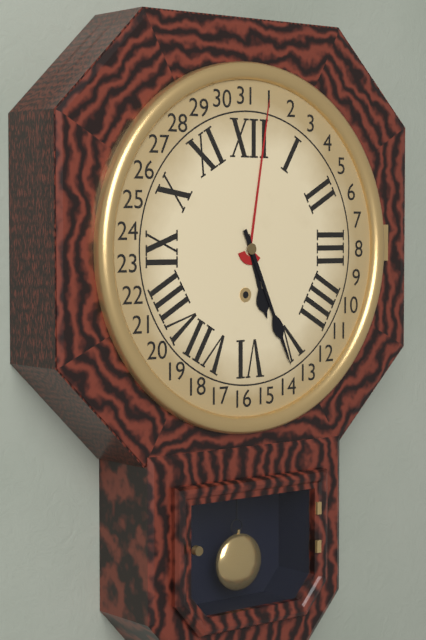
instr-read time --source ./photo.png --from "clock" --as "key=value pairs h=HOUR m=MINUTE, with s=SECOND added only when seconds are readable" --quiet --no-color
h=5 m=26
